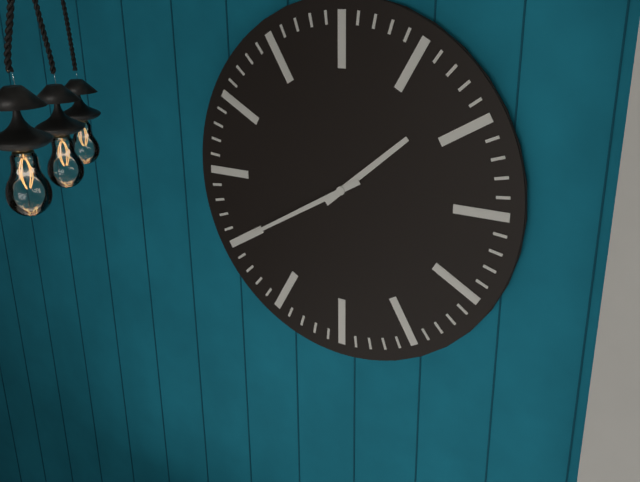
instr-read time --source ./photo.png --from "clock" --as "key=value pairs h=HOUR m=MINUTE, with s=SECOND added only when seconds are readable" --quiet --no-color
h=1 m=40
